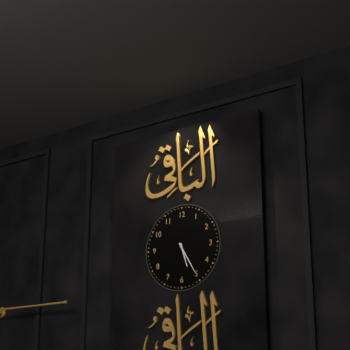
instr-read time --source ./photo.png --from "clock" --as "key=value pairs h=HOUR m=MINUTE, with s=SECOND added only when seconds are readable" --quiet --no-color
h=5 m=25
